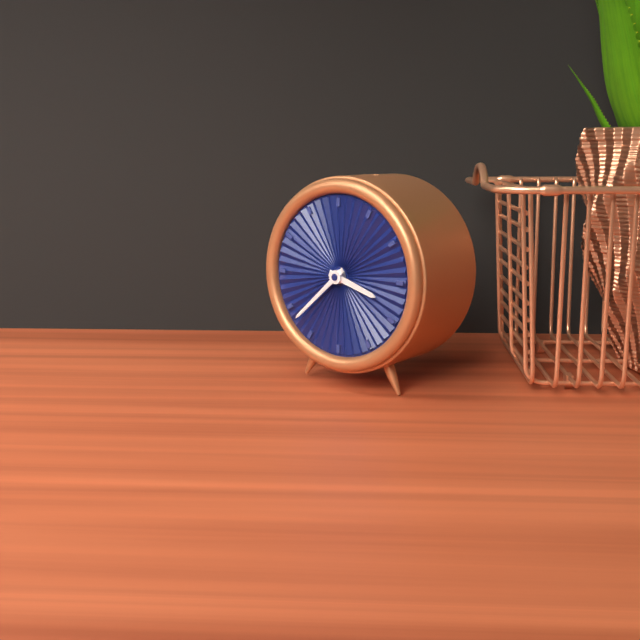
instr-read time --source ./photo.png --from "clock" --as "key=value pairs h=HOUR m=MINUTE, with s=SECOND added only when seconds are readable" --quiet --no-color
h=3 m=38
